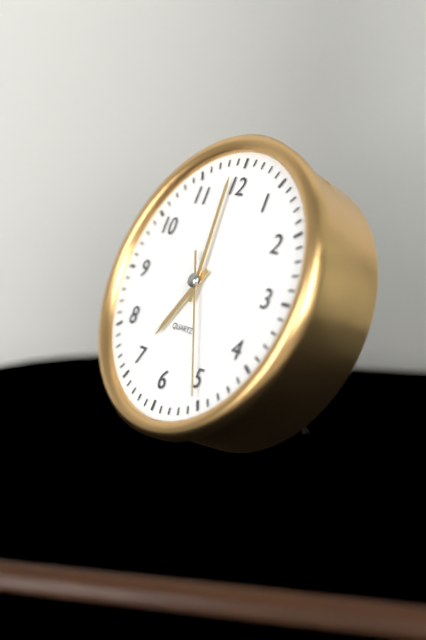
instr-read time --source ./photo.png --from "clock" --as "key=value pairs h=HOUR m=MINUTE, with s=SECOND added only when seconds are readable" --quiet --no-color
h=6 m=59 s=25
